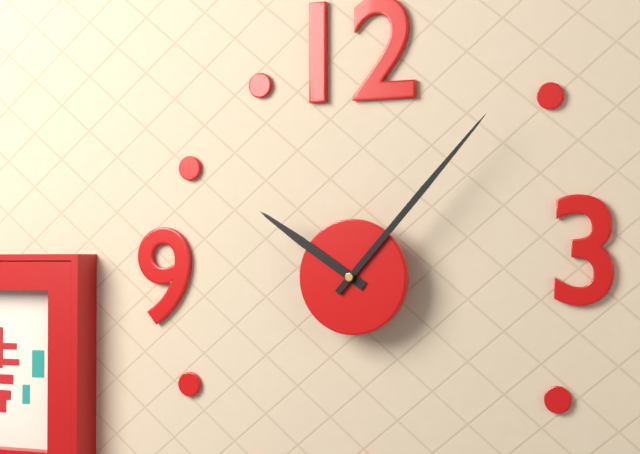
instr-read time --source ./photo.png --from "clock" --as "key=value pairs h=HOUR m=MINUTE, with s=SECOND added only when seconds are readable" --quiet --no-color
h=10 m=7
